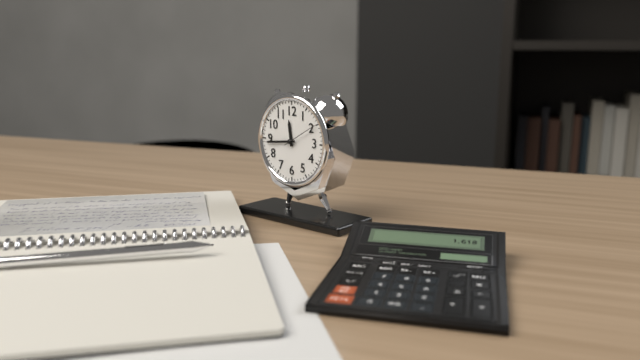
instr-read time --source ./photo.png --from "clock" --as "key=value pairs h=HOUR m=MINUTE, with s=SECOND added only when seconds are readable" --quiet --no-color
h=11 m=44
